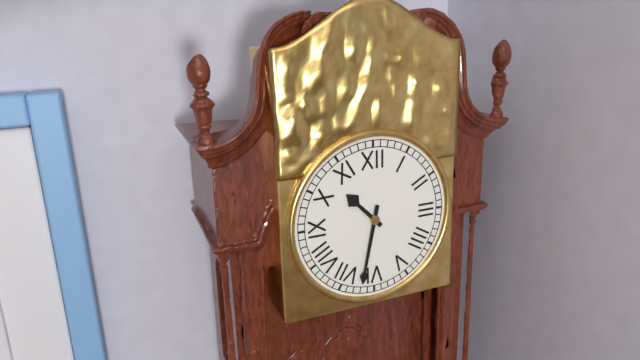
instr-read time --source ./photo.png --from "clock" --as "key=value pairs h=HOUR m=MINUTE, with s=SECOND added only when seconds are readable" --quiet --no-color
h=10 m=32
